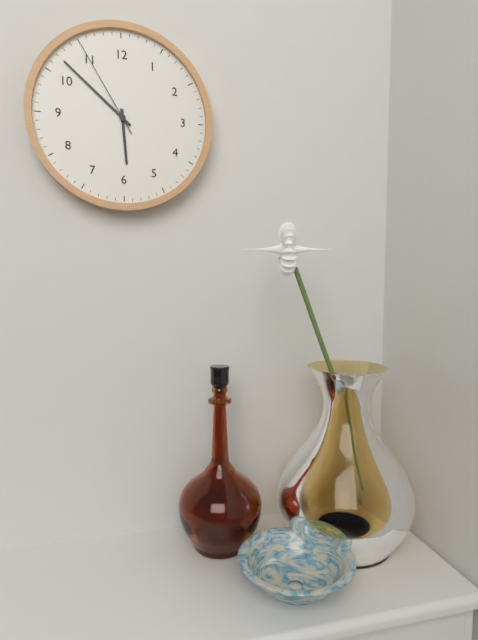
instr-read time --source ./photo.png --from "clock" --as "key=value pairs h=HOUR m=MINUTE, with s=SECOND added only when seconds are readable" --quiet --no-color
h=5 m=52 s=55
